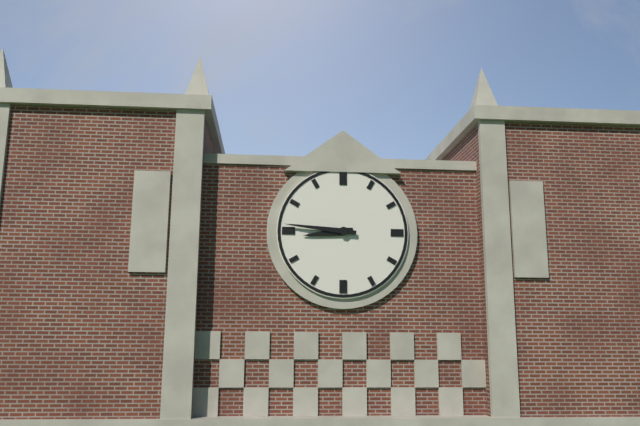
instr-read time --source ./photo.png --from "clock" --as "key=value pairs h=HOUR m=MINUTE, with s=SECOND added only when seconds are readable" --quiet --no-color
h=8 m=46
